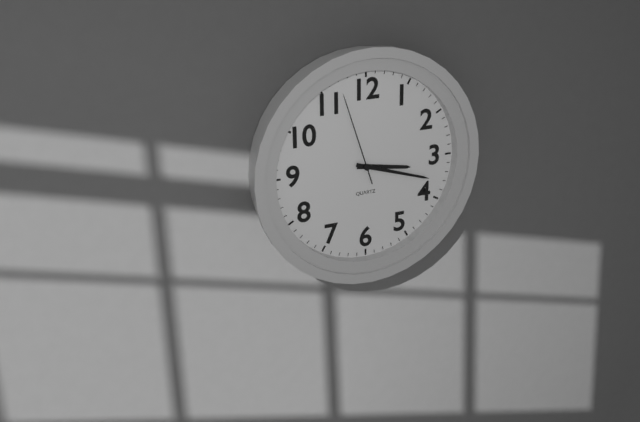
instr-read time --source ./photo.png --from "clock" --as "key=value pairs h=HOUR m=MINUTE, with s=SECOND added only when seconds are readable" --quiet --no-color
h=3 m=18 s=57
